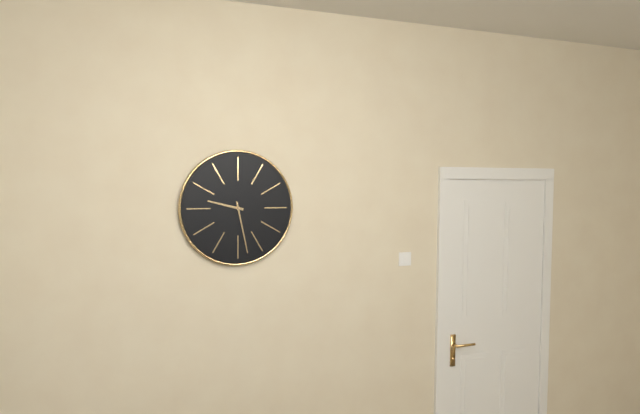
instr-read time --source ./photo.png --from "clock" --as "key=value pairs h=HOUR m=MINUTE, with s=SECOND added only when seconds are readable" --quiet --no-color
h=9 m=28
